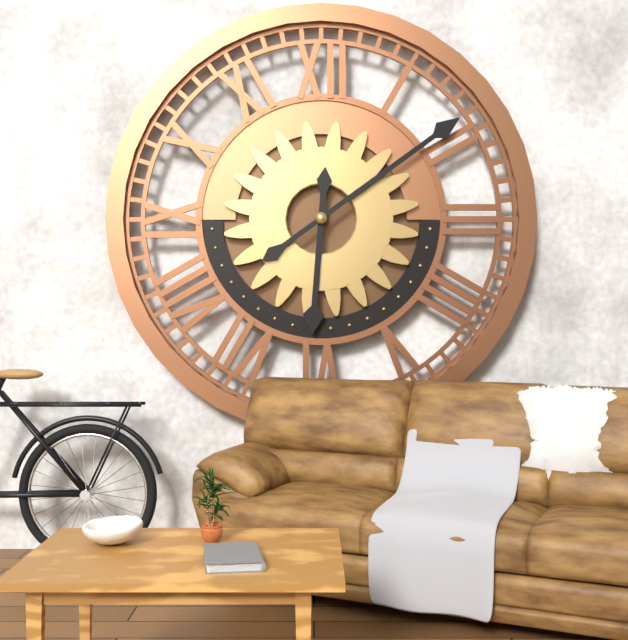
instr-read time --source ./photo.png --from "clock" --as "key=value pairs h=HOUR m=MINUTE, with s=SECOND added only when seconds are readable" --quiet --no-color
h=6 m=9
